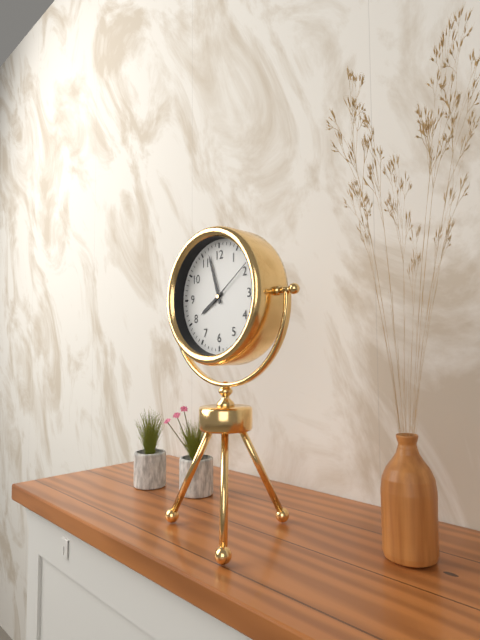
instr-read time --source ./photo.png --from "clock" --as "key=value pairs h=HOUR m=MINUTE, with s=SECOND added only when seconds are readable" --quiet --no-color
h=7 m=57 s=9
